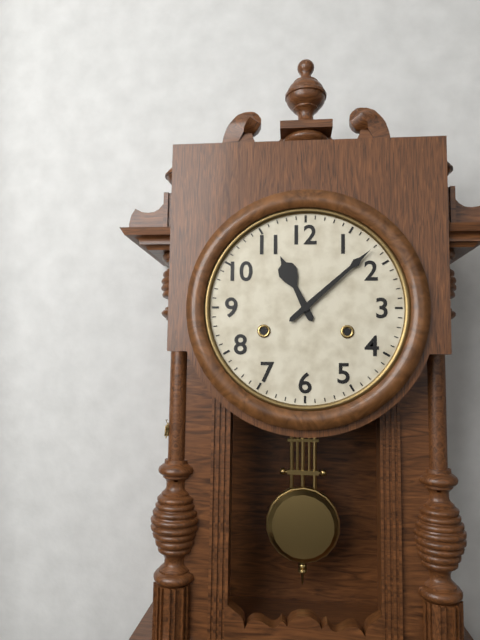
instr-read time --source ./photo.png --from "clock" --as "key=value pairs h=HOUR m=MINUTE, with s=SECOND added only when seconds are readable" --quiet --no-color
h=11 m=8
